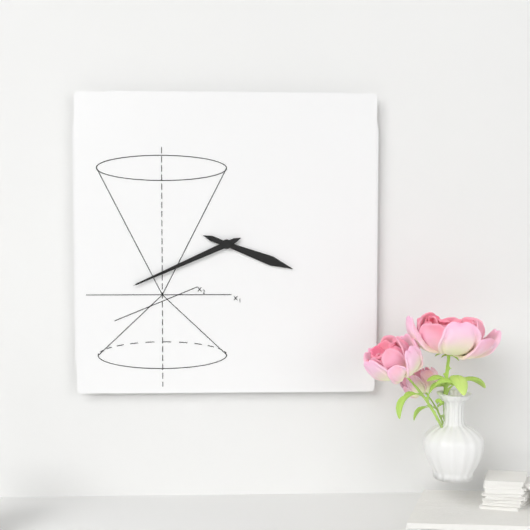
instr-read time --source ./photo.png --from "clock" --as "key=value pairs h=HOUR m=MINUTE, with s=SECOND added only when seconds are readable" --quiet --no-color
h=3 m=41
